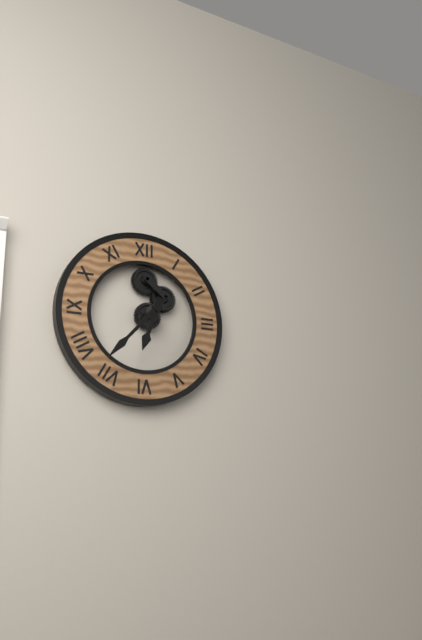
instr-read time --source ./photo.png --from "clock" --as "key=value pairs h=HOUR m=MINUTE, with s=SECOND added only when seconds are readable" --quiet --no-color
h=6 m=37
